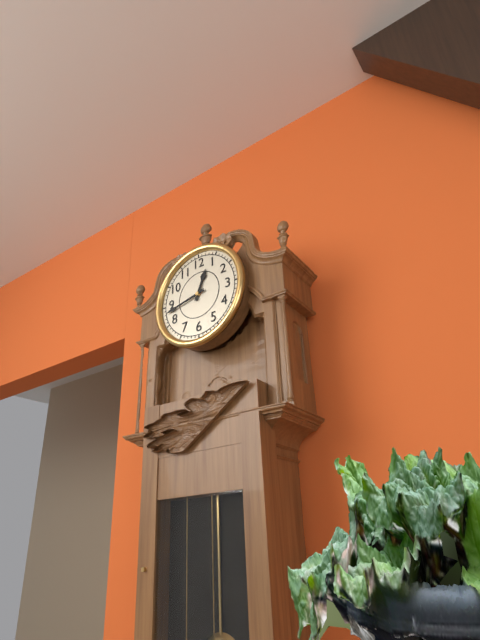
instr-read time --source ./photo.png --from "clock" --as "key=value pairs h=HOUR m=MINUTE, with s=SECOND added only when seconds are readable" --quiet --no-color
h=12 m=43
